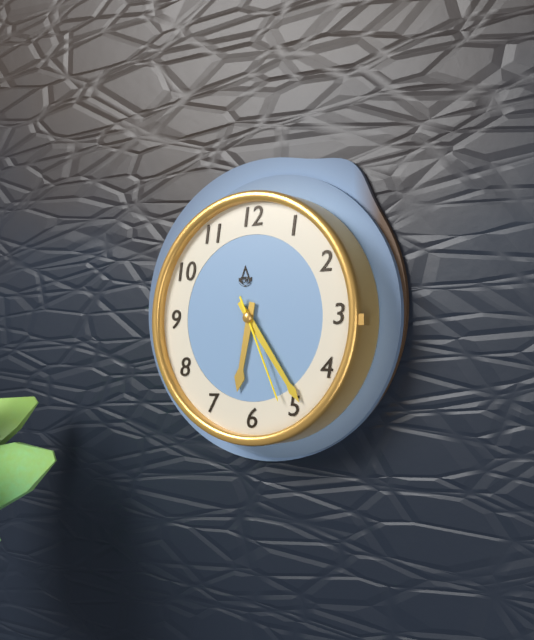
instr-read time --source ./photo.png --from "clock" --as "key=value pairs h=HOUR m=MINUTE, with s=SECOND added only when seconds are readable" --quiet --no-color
h=6 m=24 s=26
